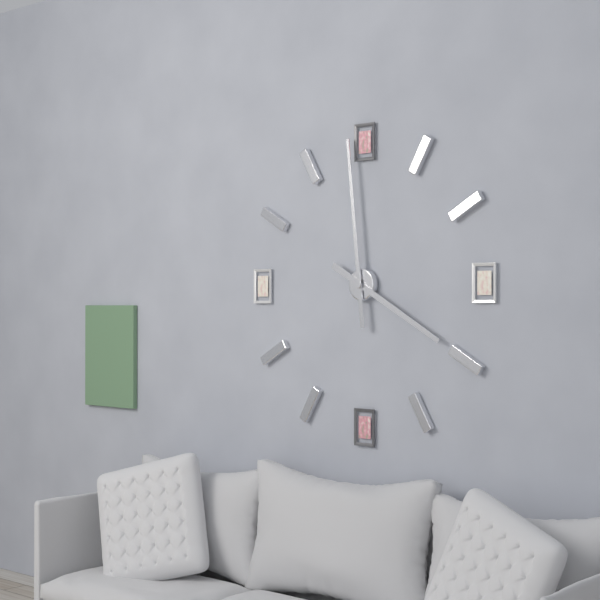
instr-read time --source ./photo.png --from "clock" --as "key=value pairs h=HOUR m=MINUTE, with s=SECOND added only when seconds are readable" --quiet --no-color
h=3 m=59
